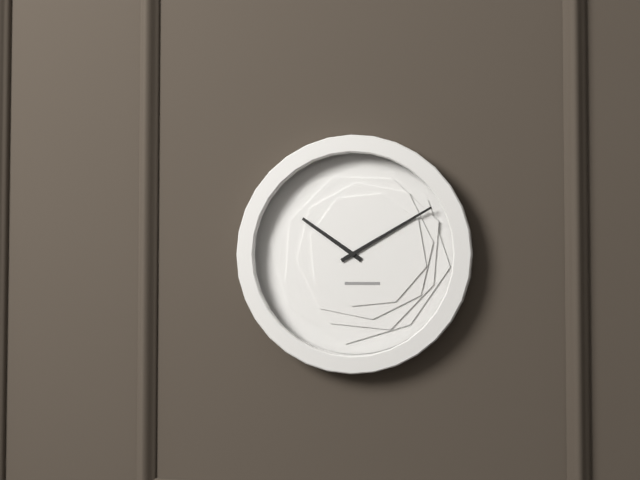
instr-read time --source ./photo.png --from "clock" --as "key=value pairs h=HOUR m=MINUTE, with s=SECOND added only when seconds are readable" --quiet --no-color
h=10 m=10
